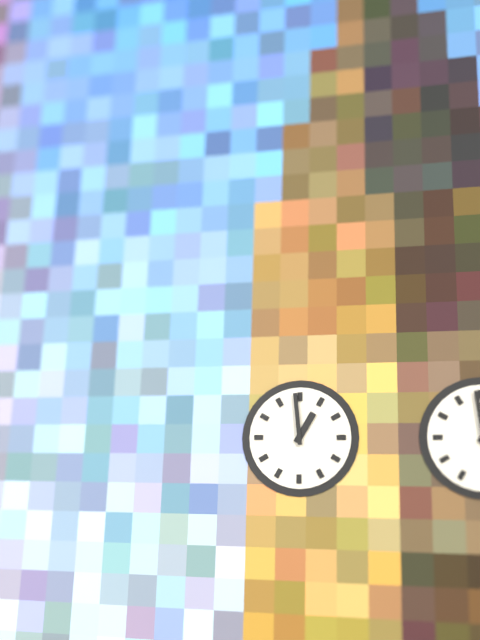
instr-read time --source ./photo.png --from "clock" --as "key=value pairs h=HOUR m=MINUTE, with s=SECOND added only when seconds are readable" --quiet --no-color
h=12 m=59
